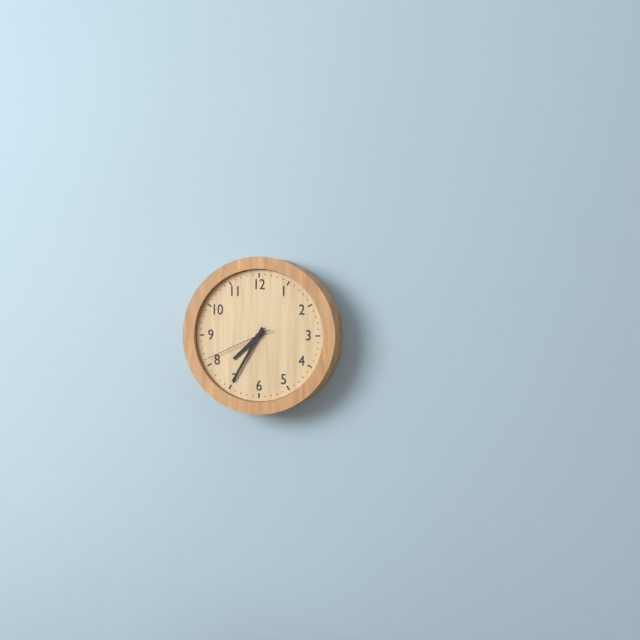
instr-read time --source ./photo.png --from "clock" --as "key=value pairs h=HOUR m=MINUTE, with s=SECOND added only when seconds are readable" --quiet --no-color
h=7 m=35 s=41
